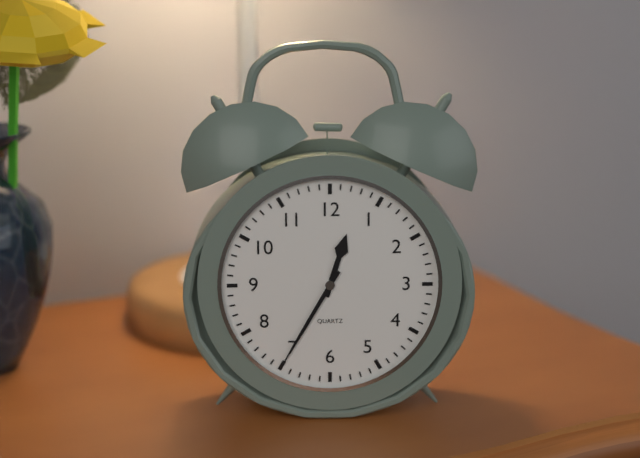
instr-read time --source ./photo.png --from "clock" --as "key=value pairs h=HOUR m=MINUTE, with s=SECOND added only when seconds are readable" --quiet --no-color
h=12 m=35
